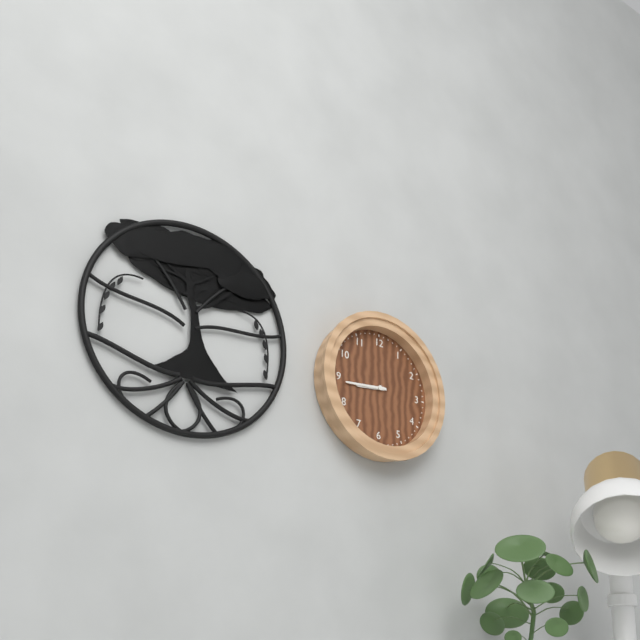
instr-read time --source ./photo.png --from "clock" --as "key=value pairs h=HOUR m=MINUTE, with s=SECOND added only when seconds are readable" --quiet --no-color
h=8 m=44
